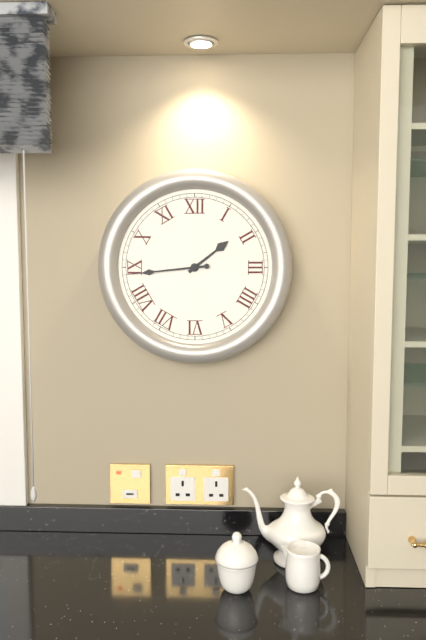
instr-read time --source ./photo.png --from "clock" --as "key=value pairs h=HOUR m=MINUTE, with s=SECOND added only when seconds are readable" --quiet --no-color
h=1 m=44
